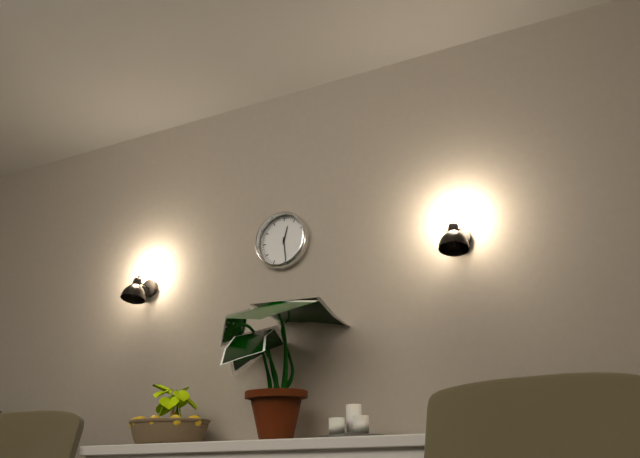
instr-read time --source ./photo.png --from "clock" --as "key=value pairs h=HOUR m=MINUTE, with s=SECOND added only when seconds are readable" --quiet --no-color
h=12 m=29
